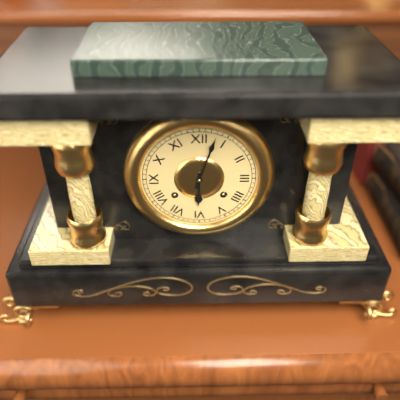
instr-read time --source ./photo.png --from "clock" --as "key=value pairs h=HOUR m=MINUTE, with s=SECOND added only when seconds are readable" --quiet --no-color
h=6 m=3
